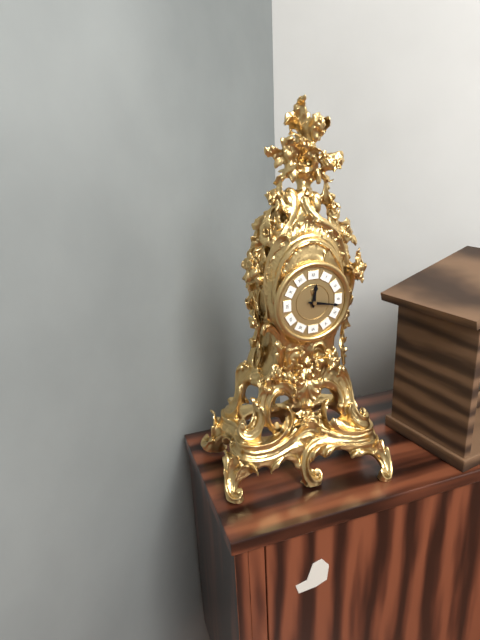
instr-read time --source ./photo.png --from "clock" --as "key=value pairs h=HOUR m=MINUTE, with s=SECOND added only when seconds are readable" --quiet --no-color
h=12 m=17
